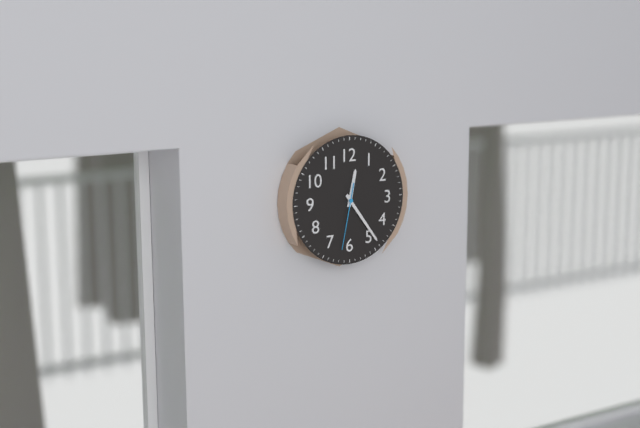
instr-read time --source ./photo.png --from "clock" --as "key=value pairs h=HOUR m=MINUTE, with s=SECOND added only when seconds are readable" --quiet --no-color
h=12 m=24 s=32
